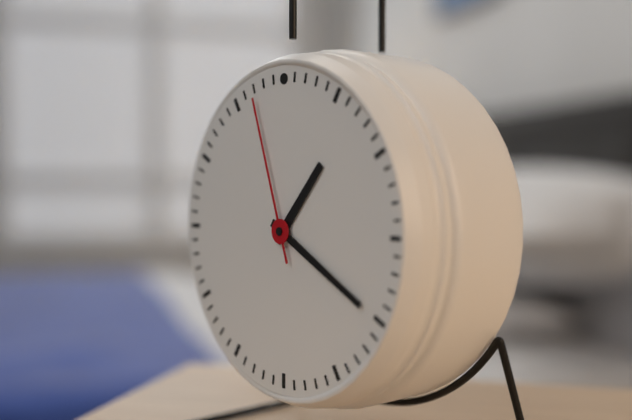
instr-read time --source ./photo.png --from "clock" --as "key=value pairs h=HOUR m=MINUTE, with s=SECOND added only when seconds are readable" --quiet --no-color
h=1 m=20 s=57
